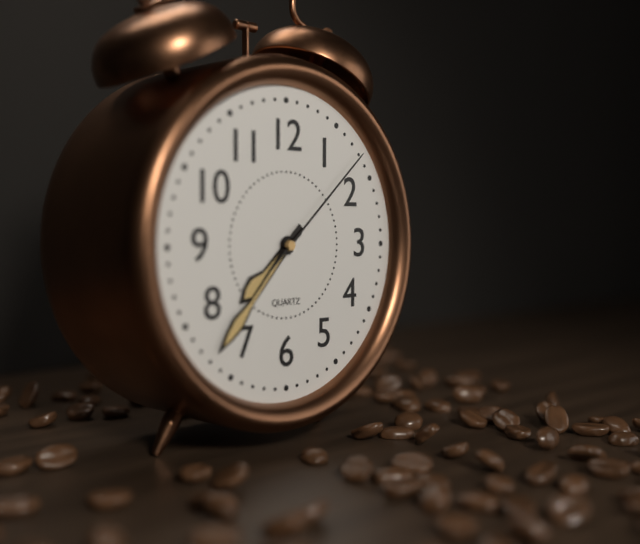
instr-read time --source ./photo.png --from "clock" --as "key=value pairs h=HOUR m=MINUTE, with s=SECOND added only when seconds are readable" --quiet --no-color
h=7 m=37 s=8
